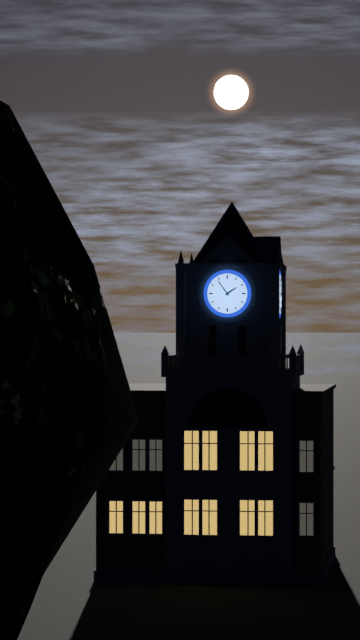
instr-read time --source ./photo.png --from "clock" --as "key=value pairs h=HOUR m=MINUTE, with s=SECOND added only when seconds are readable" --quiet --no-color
h=1 m=54
